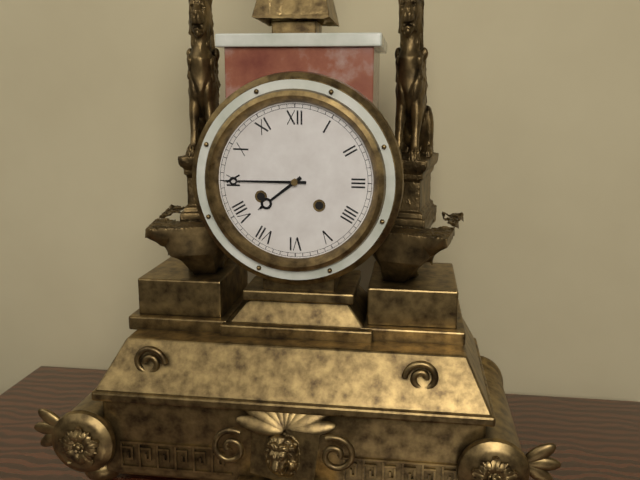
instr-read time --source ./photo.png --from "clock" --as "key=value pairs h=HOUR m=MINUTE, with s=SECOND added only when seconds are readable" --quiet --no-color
h=7 m=45
